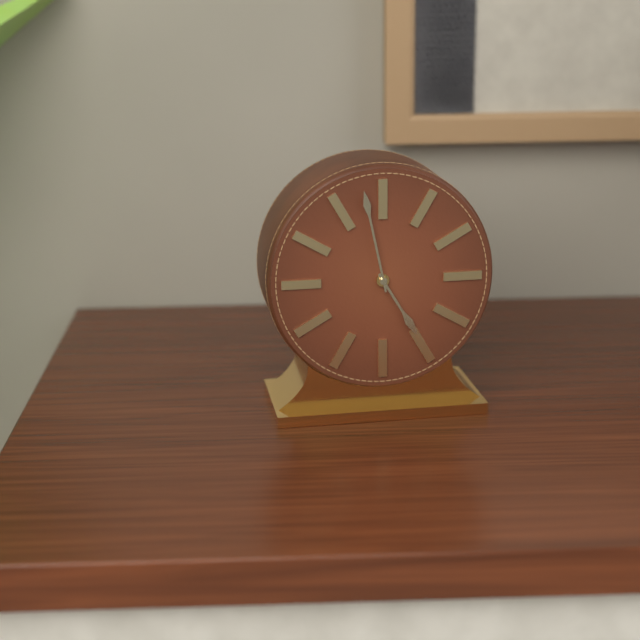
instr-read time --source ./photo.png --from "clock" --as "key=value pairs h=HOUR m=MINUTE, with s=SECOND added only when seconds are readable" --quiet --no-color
h=4 m=58
